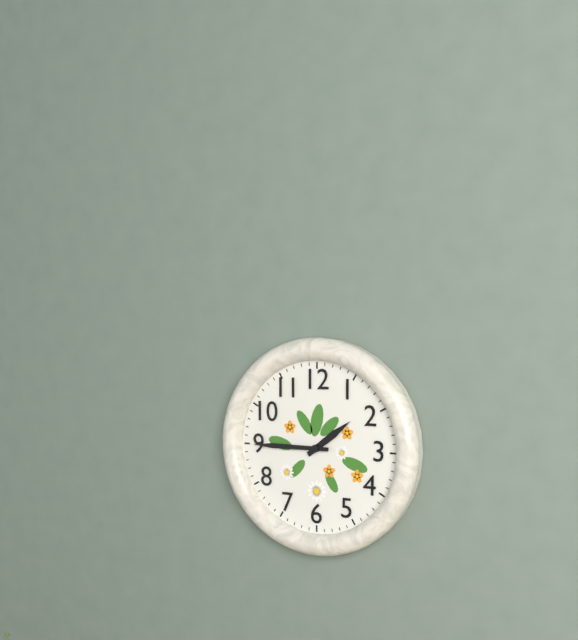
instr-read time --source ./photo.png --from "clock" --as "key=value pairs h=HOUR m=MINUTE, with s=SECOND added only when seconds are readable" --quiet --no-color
h=1 m=45
